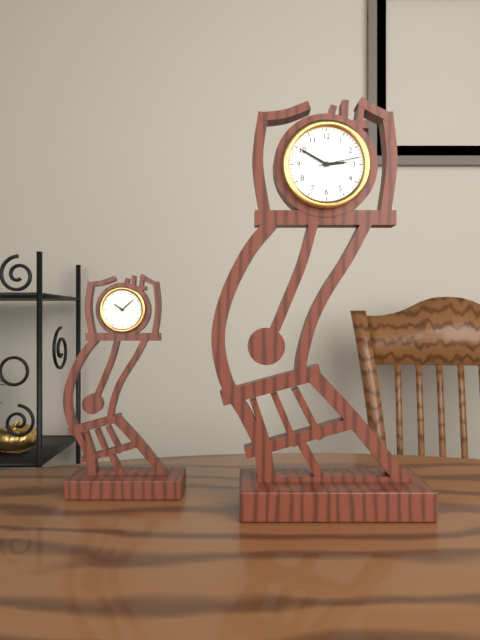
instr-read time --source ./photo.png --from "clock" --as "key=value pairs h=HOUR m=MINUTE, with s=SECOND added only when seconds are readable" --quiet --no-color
h=2 m=50
